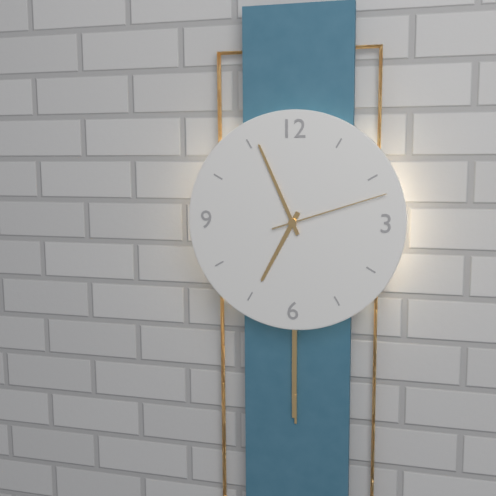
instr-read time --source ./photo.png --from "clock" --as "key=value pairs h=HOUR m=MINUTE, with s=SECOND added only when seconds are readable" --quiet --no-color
h=6 m=56 s=12
